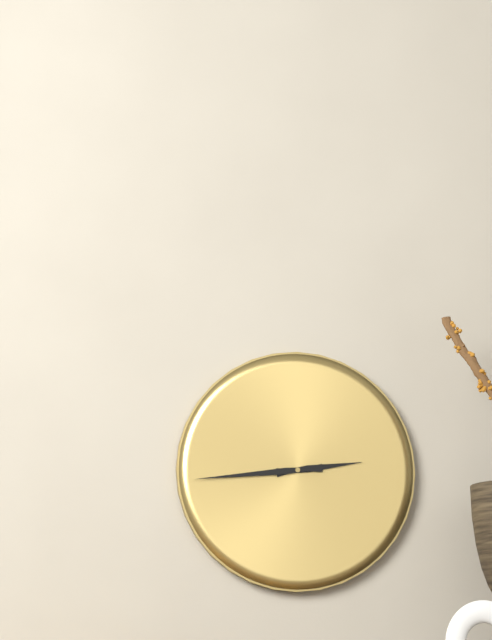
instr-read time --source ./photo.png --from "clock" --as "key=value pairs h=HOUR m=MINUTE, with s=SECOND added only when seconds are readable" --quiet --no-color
h=2 m=44
